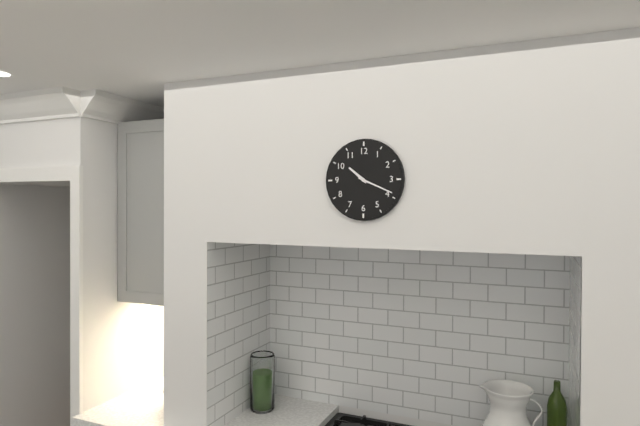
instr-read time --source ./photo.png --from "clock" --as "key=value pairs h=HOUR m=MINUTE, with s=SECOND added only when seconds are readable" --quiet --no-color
h=10 m=19
